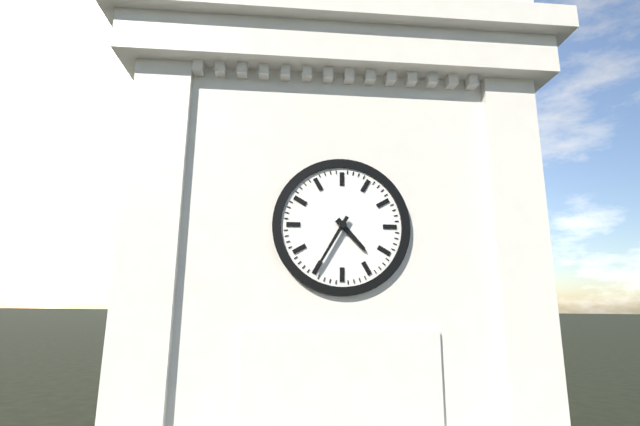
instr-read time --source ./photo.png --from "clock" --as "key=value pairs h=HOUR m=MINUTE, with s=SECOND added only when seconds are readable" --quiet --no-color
h=4 m=35
